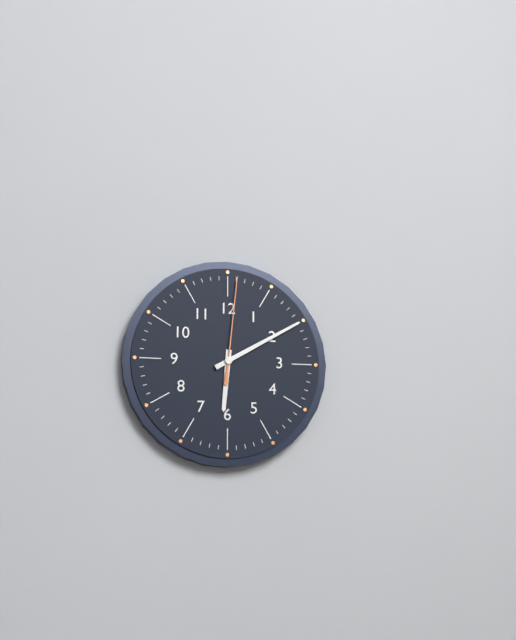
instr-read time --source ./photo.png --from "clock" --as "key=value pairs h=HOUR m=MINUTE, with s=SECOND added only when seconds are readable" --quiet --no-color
h=6 m=10 s=1
